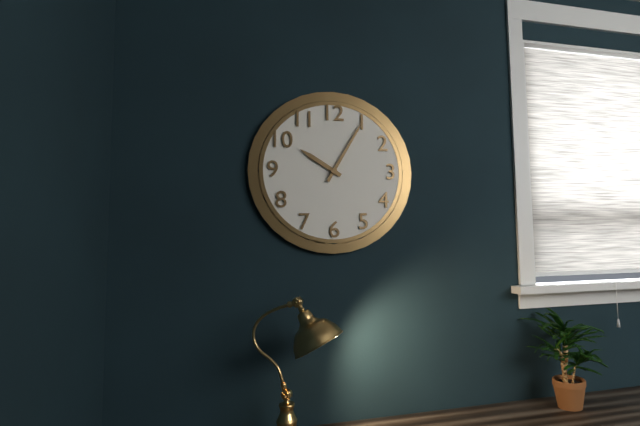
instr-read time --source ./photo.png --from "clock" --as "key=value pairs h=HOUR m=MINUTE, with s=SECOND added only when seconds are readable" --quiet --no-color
h=10 m=5
